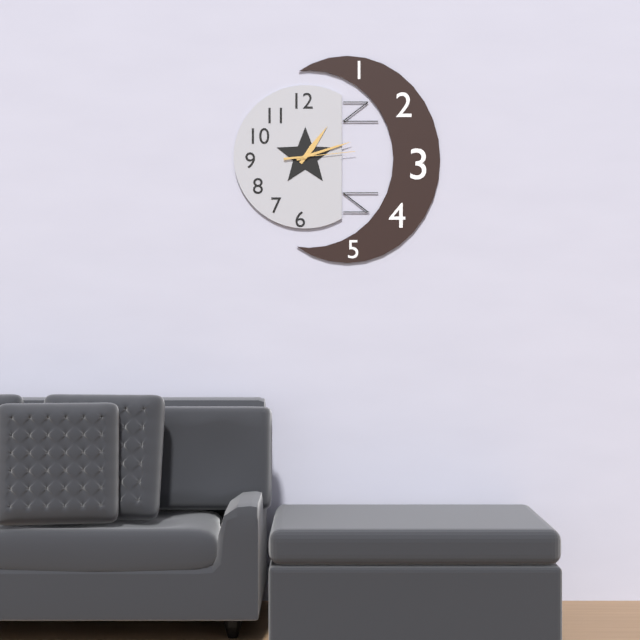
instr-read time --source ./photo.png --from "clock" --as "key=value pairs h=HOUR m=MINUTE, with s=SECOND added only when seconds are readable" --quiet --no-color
h=1 m=12 s=14
